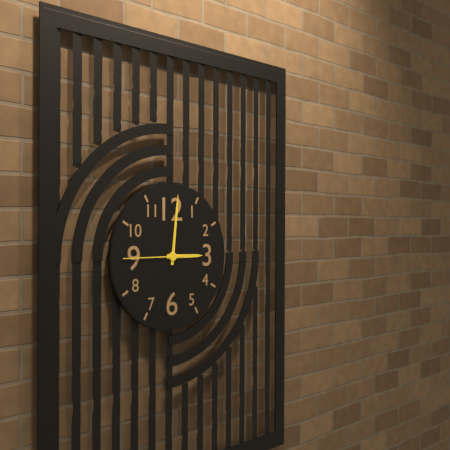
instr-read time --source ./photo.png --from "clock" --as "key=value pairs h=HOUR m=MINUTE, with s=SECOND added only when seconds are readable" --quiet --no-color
h=3 m=1 s=45
